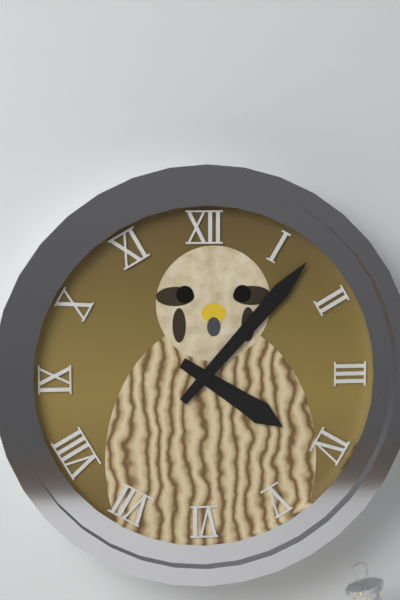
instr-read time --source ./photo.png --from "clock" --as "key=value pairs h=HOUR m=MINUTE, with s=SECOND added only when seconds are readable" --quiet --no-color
h=4 m=7
